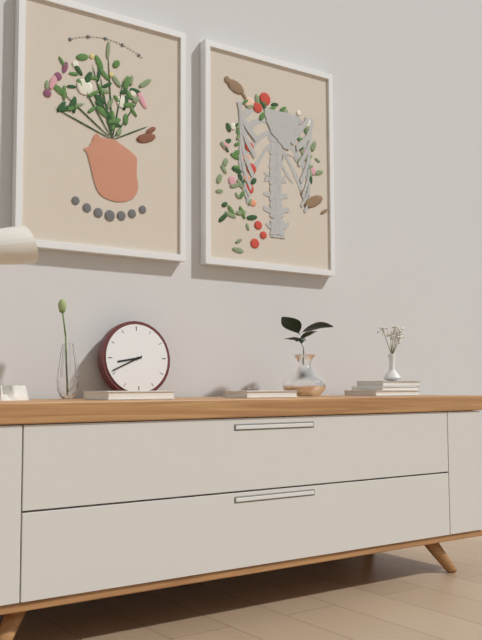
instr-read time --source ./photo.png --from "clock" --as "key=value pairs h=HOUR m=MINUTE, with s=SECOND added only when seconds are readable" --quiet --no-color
h=8 m=41
